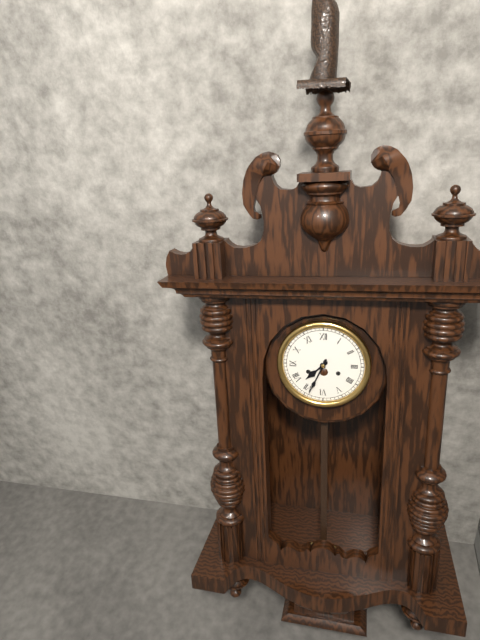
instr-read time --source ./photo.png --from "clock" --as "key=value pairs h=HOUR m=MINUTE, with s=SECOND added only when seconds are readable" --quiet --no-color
h=7 m=34
